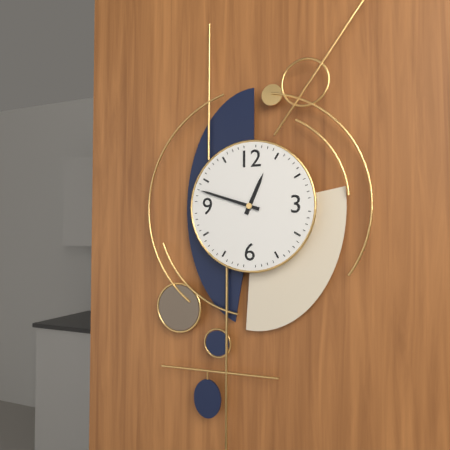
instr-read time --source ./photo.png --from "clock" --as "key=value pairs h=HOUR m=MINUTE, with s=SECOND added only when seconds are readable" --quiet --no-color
h=12 m=48
